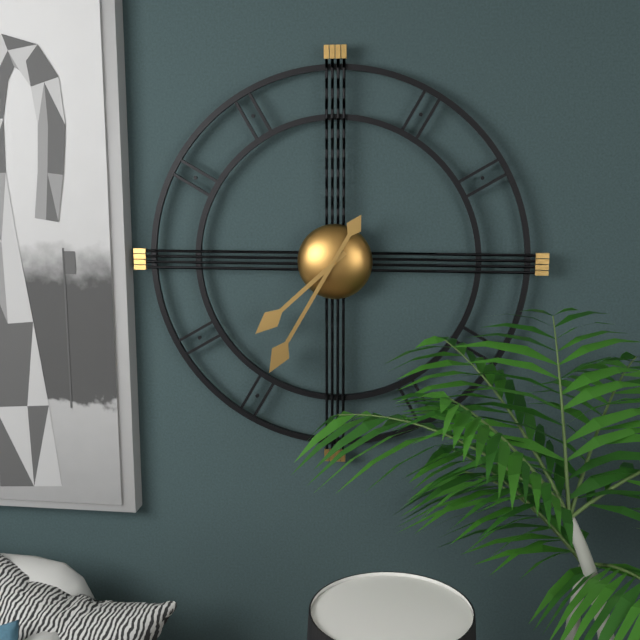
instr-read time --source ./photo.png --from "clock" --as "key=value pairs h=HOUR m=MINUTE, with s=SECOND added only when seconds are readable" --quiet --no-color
h=7 m=35
